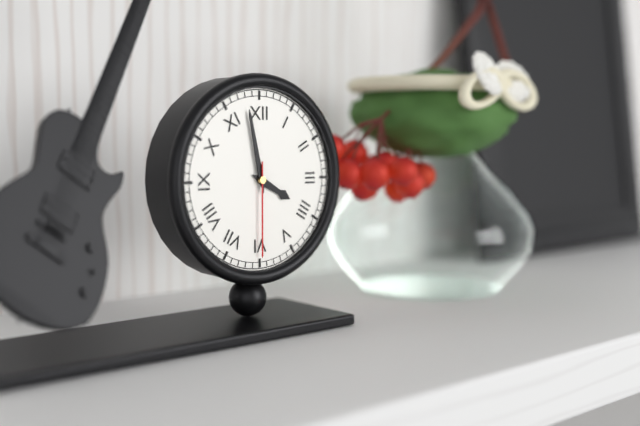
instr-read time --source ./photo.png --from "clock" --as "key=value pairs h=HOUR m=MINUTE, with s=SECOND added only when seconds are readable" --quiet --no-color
h=3 m=58 s=30
